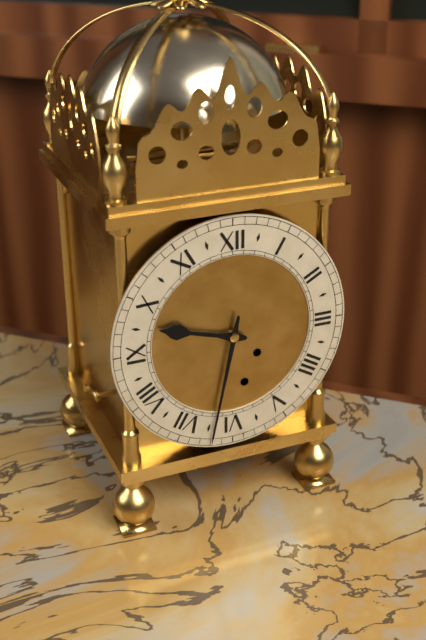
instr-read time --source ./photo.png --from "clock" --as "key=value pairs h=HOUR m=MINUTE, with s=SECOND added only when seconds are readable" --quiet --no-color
h=9 m=32
